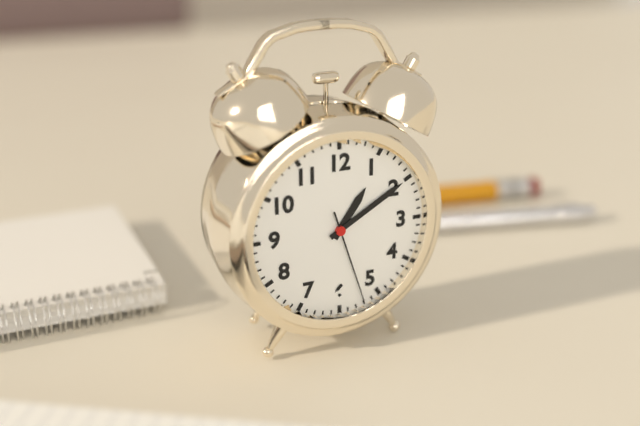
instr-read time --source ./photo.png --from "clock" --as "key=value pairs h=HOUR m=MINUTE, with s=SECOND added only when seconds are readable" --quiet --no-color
h=1 m=10 s=27
